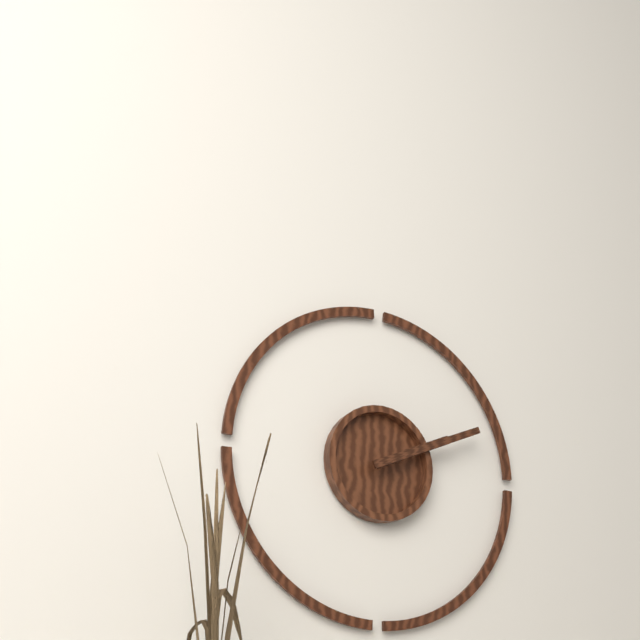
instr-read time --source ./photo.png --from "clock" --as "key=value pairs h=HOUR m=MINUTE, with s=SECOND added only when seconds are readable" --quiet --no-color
h=2 m=11
